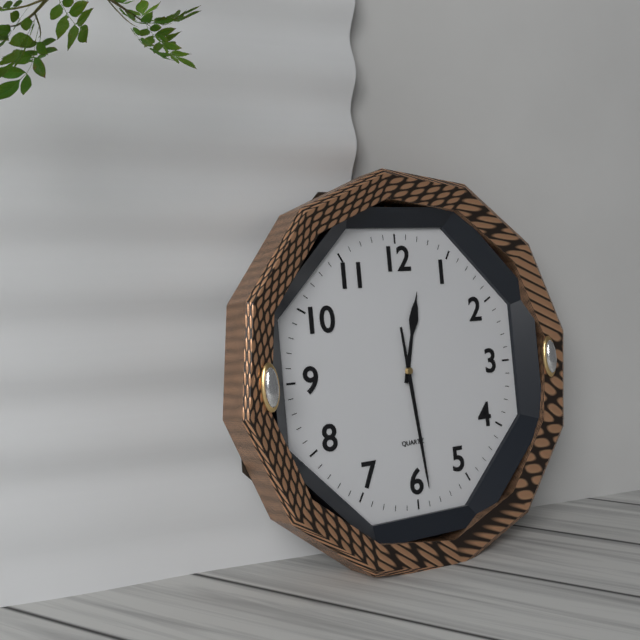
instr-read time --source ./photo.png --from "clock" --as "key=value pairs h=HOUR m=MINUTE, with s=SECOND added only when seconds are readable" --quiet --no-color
h=12 m=29
